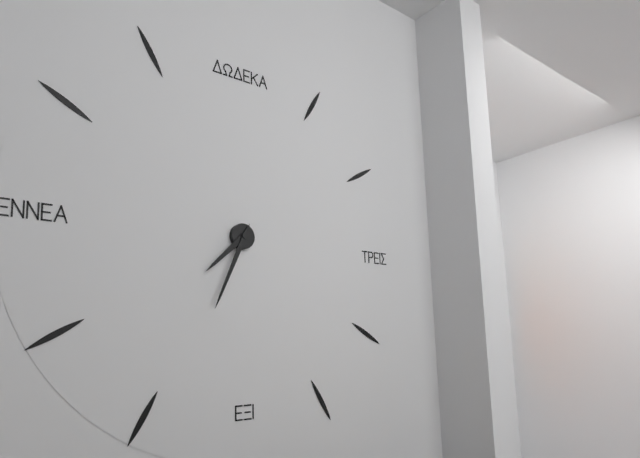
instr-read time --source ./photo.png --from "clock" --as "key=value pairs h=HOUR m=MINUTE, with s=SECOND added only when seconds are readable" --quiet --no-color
h=7 m=34
